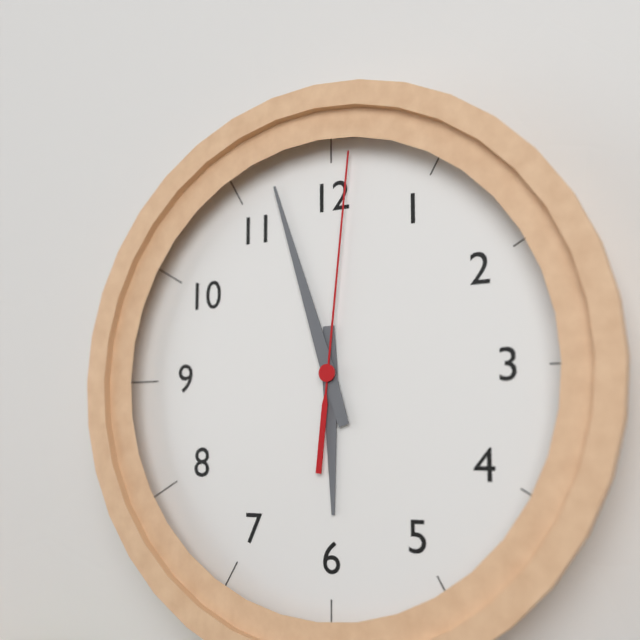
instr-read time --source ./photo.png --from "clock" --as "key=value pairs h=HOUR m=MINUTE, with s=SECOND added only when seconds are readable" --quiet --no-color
h=5 m=57 s=1
